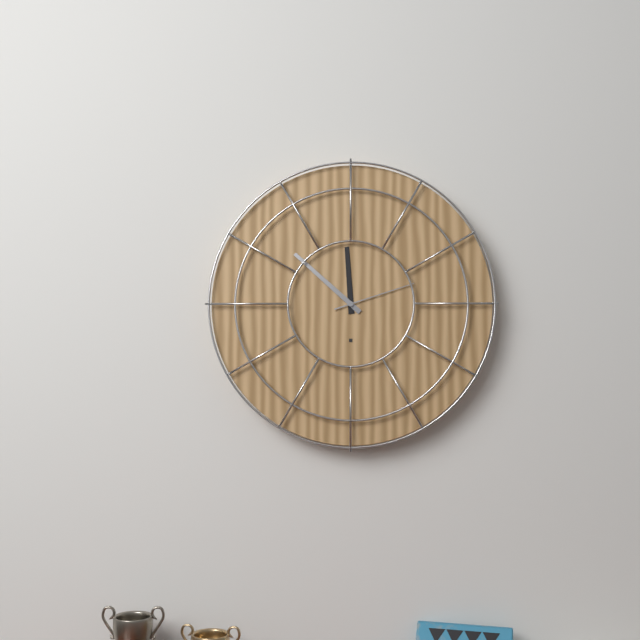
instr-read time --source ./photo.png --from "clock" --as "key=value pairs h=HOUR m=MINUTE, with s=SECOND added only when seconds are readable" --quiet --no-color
h=11 m=52 s=12
